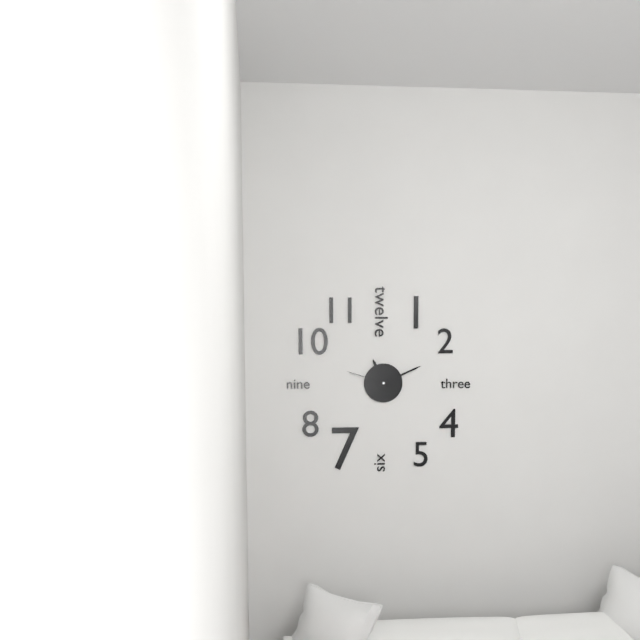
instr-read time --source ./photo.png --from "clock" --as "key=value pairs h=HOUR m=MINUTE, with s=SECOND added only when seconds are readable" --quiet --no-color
h=11 m=11
